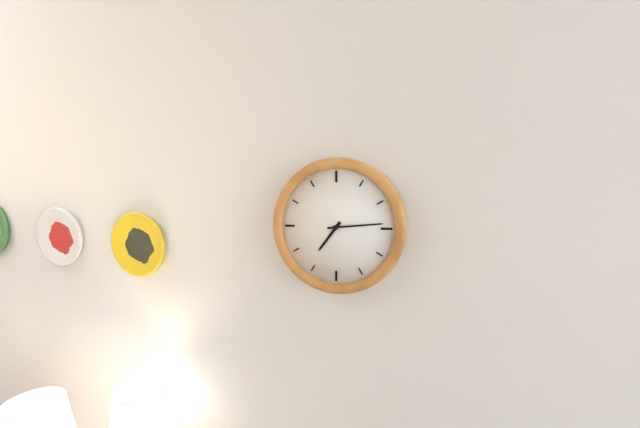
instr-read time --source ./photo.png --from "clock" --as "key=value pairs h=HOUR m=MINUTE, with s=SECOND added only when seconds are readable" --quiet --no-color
h=7 m=14
